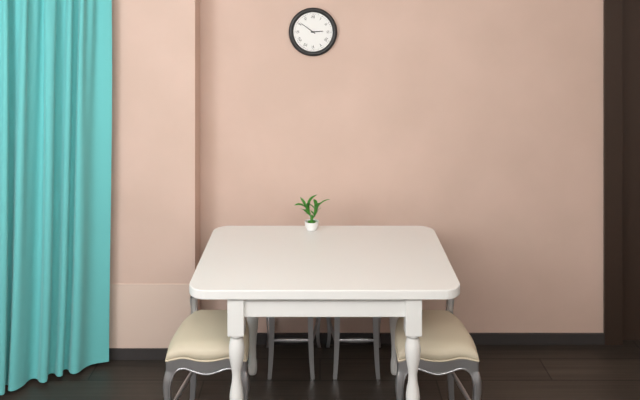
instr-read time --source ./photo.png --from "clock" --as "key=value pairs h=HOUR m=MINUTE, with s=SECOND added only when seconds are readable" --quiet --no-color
h=2 m=51
